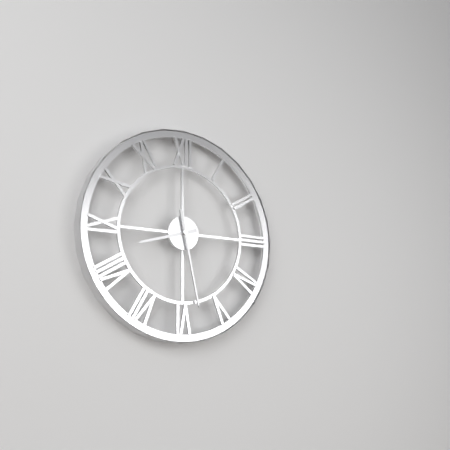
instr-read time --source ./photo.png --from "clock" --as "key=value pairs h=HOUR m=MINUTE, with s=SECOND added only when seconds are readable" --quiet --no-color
h=8 m=28
